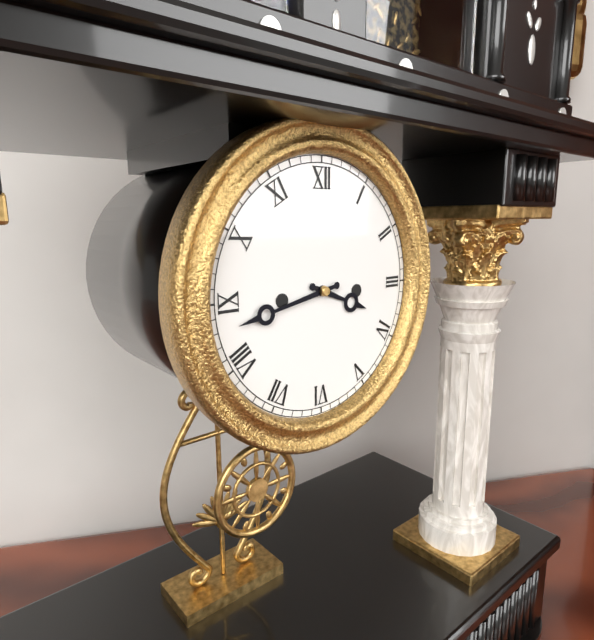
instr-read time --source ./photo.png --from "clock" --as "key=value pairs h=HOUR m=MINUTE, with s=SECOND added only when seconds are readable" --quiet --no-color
h=3 m=43
